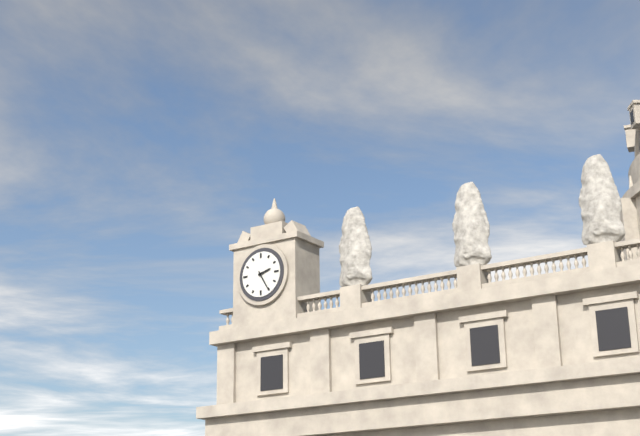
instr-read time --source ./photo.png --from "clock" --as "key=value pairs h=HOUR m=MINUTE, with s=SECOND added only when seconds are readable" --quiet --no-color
h=2 m=25
